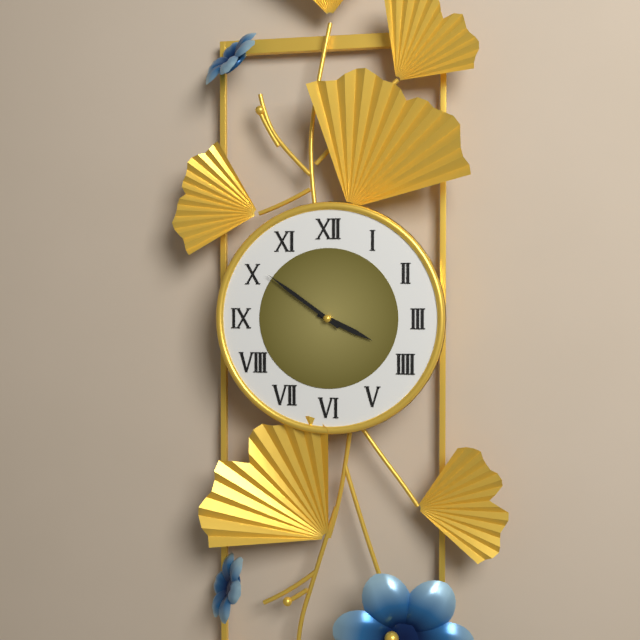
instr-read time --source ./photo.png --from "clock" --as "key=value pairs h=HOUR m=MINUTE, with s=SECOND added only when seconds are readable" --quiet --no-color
h=3 m=51
